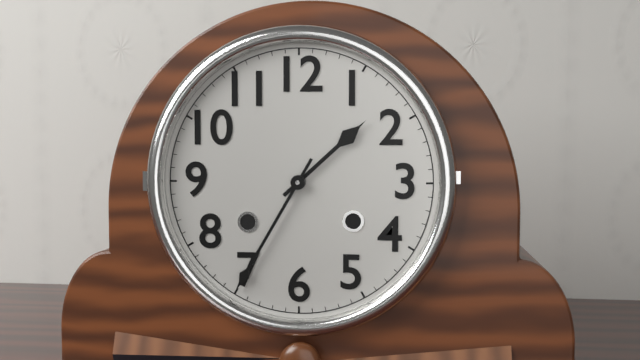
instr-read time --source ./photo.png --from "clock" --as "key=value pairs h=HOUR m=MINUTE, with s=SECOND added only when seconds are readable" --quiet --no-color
h=1 m=35
